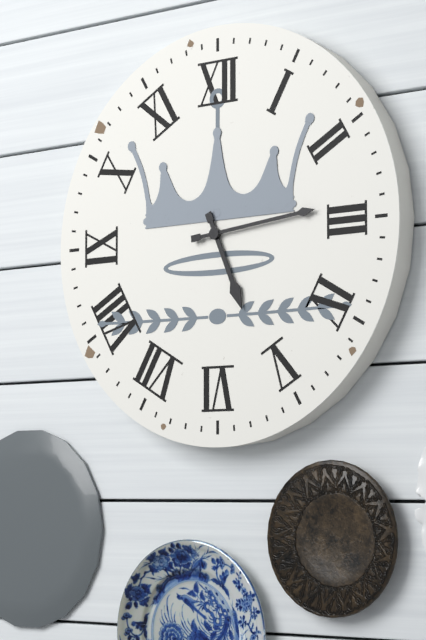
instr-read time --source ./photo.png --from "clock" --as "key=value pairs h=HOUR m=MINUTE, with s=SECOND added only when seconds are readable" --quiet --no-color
h=5 m=14
